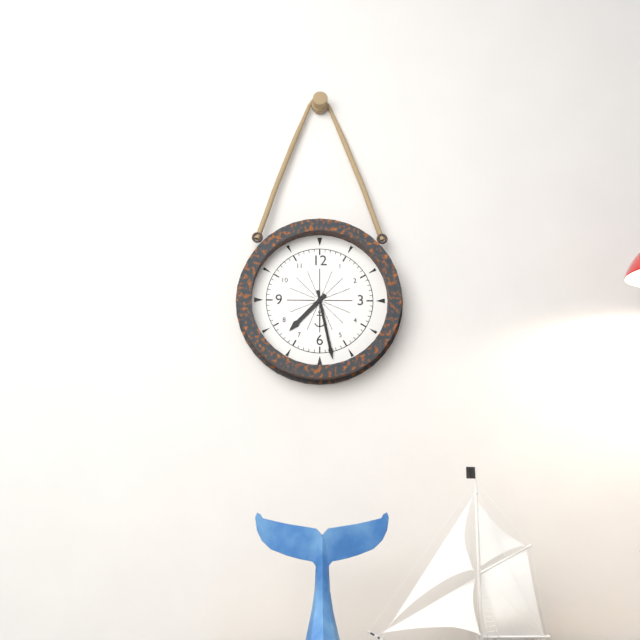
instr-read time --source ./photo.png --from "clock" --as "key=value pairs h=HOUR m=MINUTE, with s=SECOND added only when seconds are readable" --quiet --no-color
h=7 m=28
